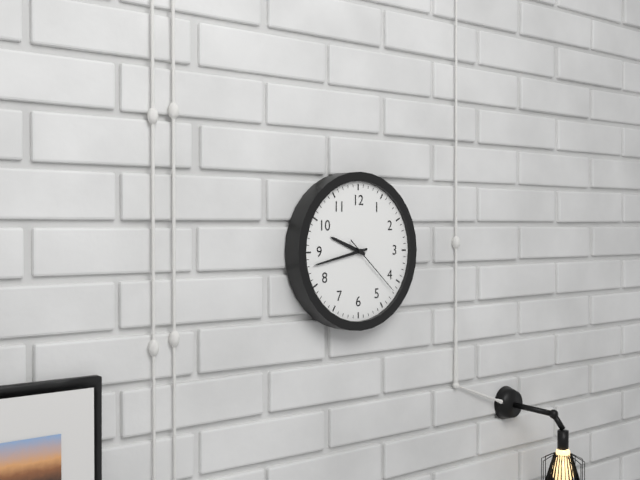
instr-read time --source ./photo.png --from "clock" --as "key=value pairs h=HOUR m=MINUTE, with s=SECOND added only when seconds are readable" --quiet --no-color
h=9 m=43 s=22
